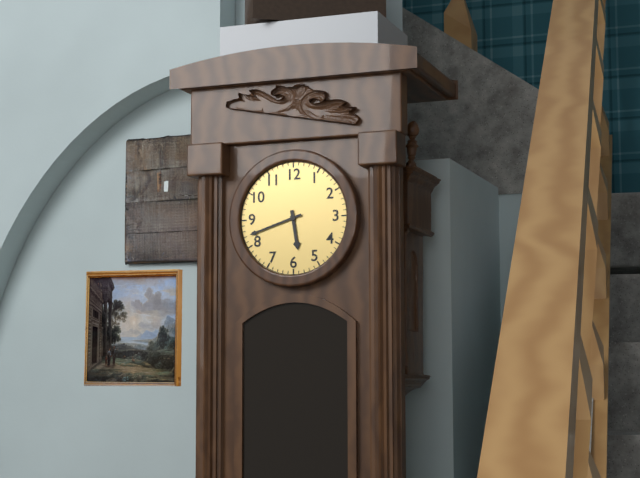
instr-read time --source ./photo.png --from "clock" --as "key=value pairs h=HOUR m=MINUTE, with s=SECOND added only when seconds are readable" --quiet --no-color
h=5 m=42
